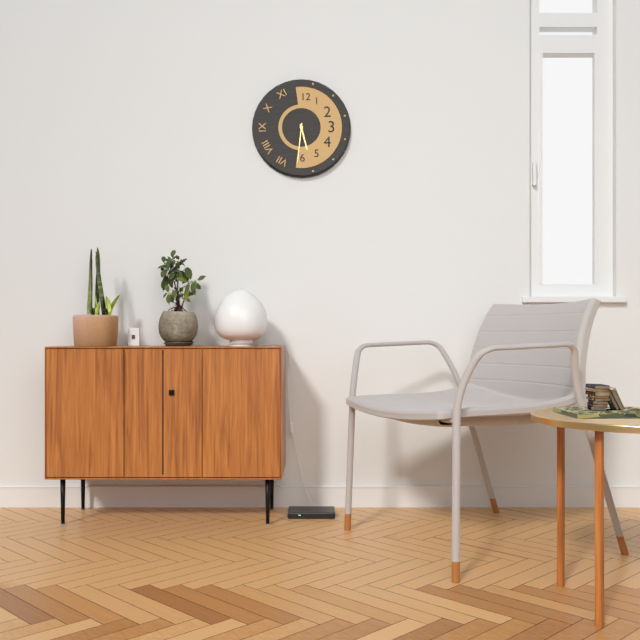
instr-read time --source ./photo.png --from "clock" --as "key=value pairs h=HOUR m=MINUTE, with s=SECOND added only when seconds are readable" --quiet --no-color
h=5 m=31
